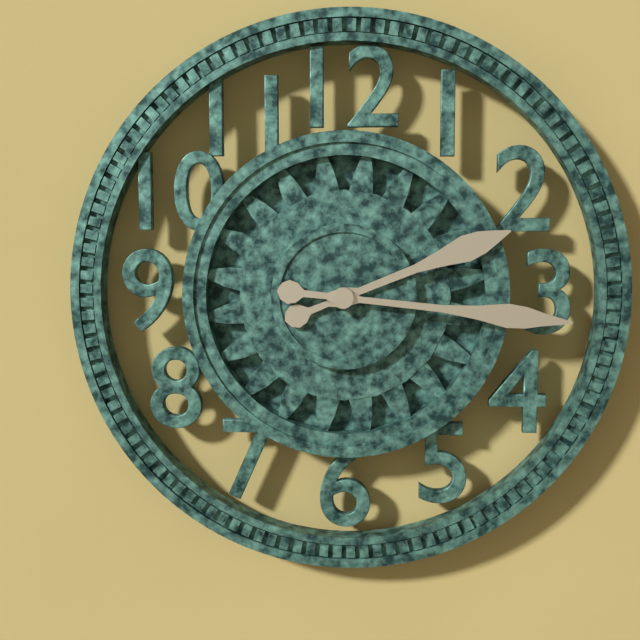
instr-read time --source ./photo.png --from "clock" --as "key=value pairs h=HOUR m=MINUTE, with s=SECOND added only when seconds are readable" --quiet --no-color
h=2 m=16
